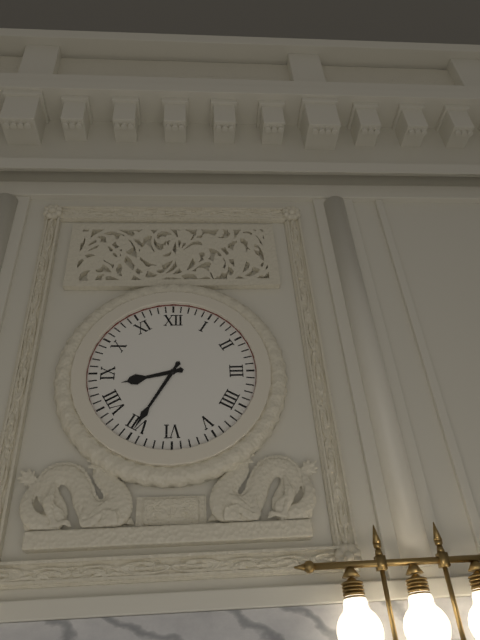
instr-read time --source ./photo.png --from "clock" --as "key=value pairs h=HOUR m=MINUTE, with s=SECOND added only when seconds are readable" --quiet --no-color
h=8 m=35
